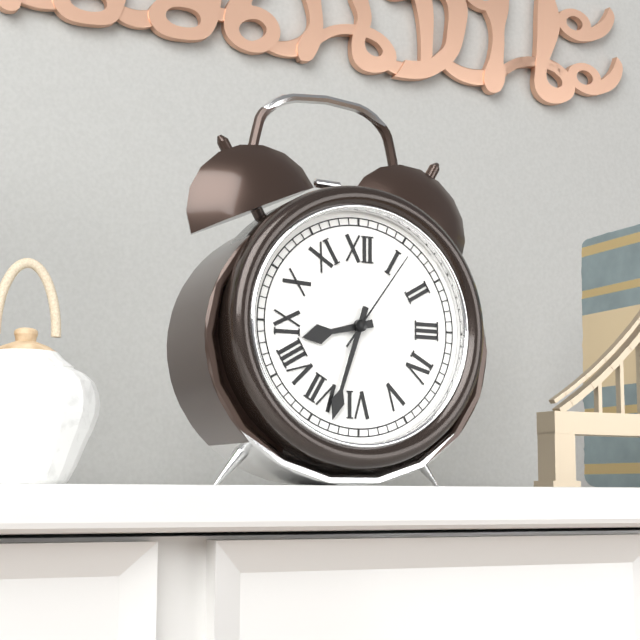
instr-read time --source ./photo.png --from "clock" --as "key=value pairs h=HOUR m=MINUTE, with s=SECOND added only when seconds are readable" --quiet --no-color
h=8 m=33 s=6
